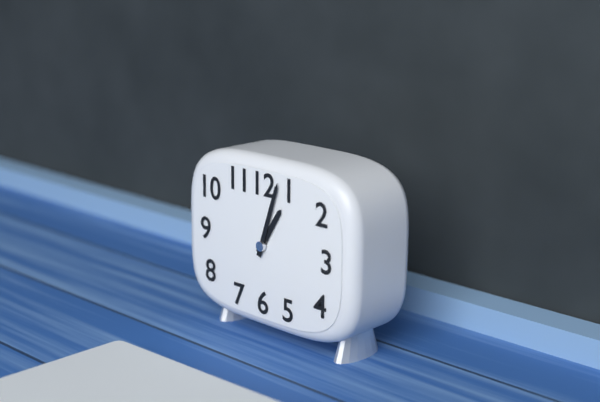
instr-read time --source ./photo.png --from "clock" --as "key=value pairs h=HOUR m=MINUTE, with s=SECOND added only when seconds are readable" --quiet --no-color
h=1 m=3
